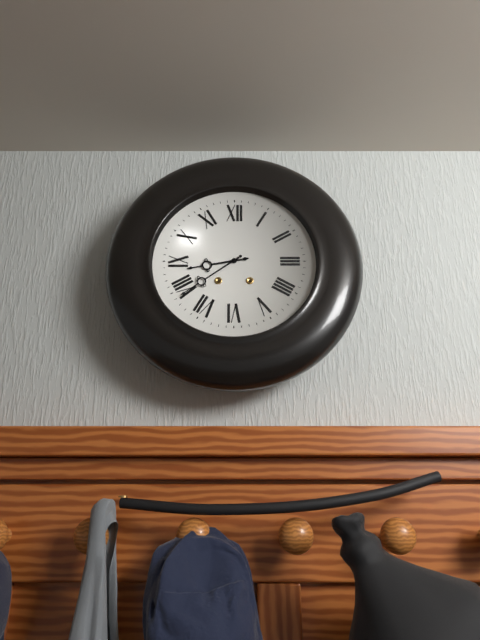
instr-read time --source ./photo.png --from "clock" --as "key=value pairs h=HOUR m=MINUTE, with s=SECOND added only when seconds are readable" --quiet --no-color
h=8 m=39
